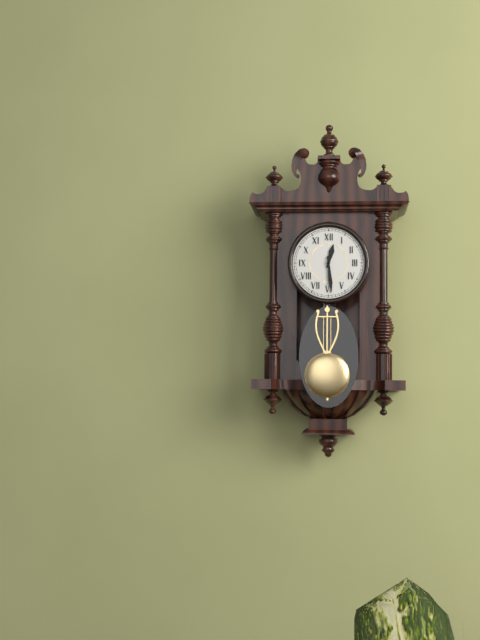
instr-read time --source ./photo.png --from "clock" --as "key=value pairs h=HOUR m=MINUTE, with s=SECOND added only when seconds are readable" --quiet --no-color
h=12 m=29
